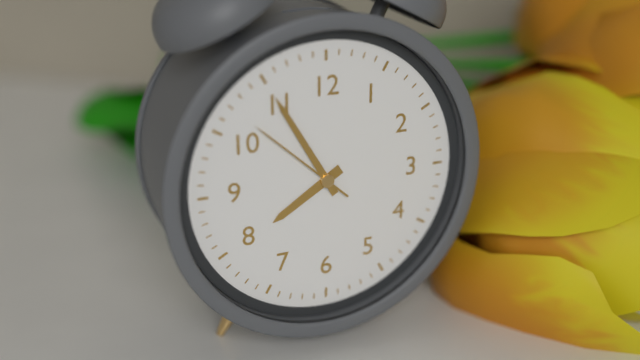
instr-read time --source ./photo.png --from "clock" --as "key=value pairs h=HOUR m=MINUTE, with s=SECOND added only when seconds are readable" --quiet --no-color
h=7 m=55 s=52
